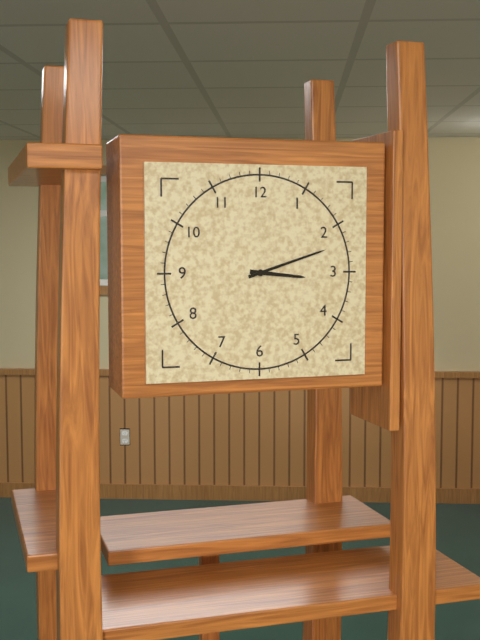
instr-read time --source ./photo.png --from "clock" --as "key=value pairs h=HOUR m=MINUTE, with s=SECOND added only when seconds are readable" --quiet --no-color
h=3 m=12
